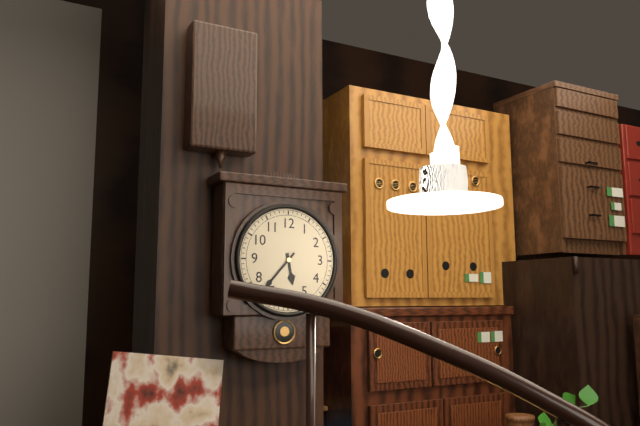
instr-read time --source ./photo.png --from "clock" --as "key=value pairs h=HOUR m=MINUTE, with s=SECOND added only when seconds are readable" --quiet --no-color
h=5 m=37
